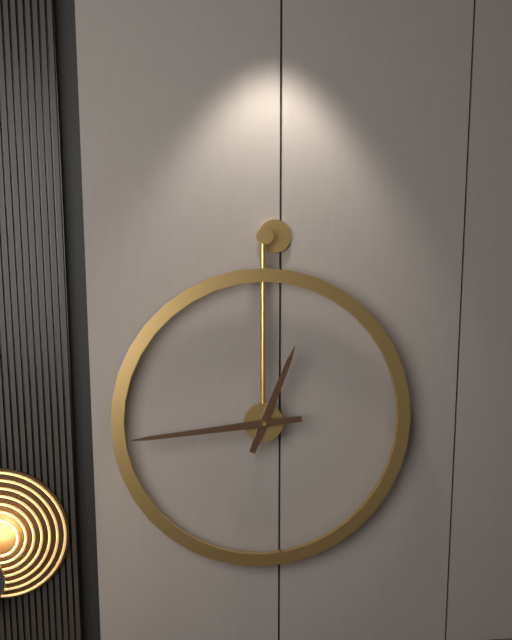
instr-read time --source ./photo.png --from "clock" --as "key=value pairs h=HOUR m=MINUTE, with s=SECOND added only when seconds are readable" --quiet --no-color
h=12 m=44
